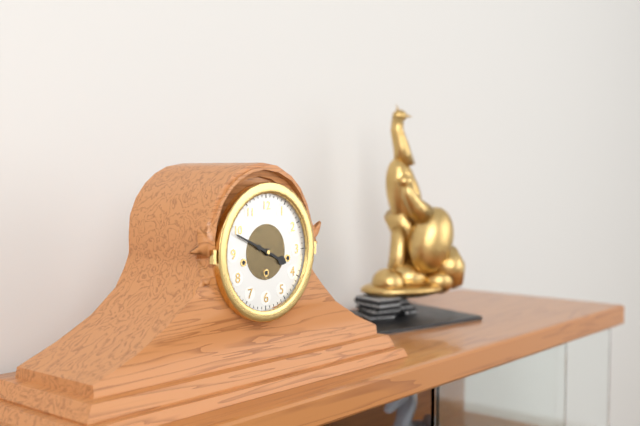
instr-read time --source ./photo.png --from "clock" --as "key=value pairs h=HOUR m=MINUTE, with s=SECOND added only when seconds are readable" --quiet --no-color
h=3 m=49
